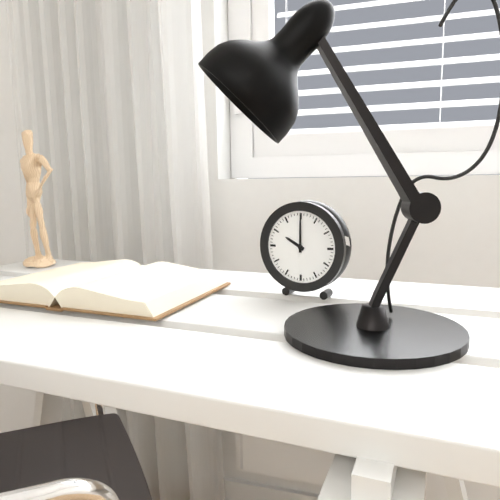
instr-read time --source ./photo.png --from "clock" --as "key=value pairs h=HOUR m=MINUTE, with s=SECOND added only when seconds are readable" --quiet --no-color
h=10 m=0
